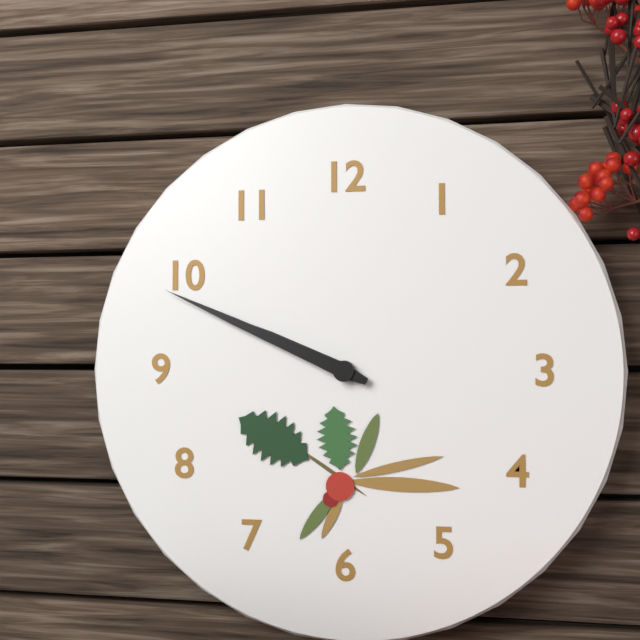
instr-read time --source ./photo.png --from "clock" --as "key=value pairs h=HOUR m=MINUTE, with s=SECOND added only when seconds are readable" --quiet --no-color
h=9 m=49
